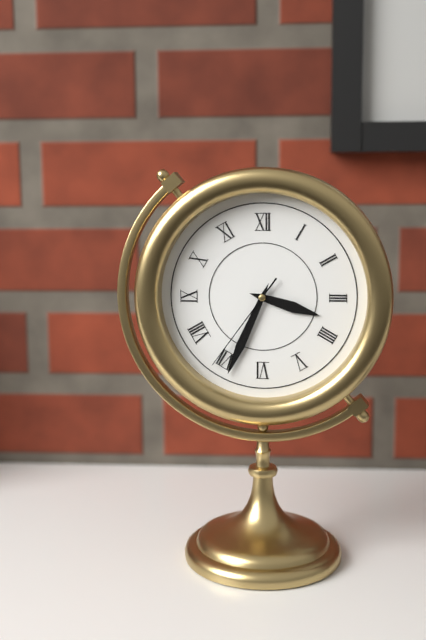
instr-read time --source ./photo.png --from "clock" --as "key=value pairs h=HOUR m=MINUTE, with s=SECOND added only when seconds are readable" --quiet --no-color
h=3 m=34 s=36
